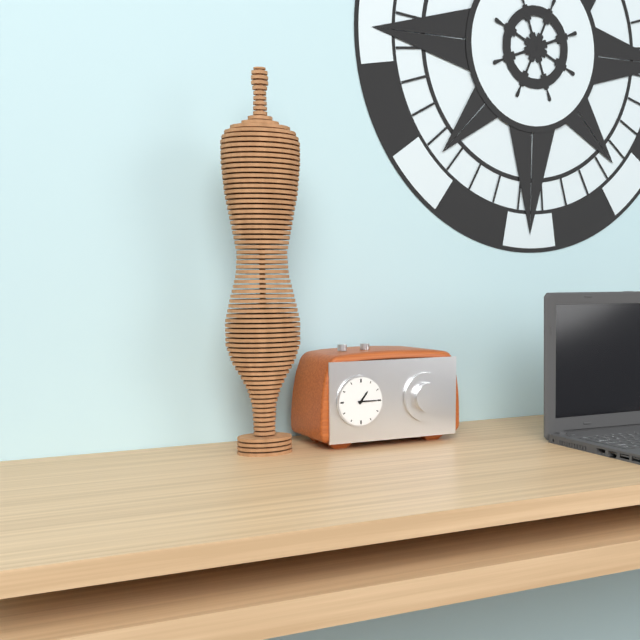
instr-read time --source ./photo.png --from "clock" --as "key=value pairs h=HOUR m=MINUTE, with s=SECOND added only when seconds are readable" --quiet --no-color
h=1 m=15
